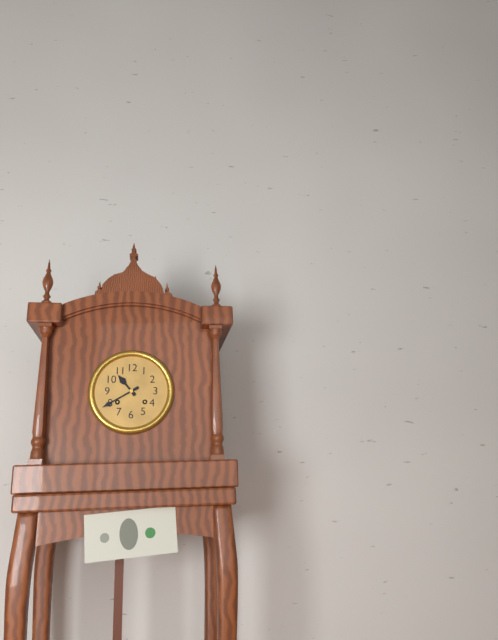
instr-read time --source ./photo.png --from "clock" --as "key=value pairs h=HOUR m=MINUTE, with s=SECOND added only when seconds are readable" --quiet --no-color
h=10 m=40
